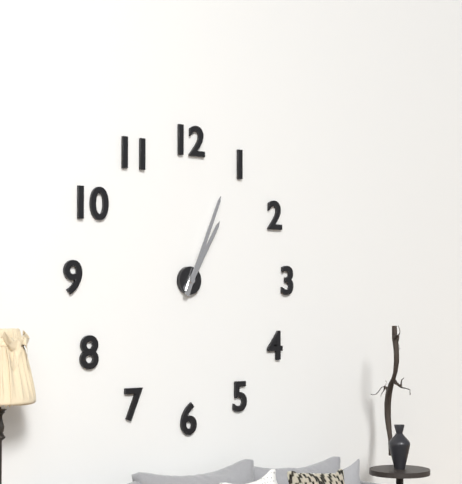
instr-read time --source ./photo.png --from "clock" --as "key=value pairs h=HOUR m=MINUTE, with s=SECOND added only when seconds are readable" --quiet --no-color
h=1 m=4
